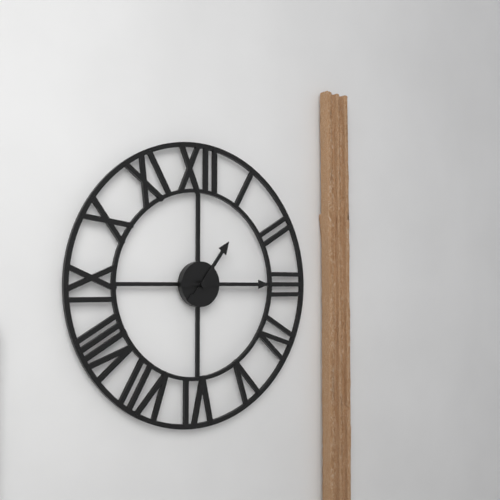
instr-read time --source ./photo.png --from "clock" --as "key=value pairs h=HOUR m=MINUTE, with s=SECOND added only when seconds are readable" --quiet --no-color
h=1 m=15
